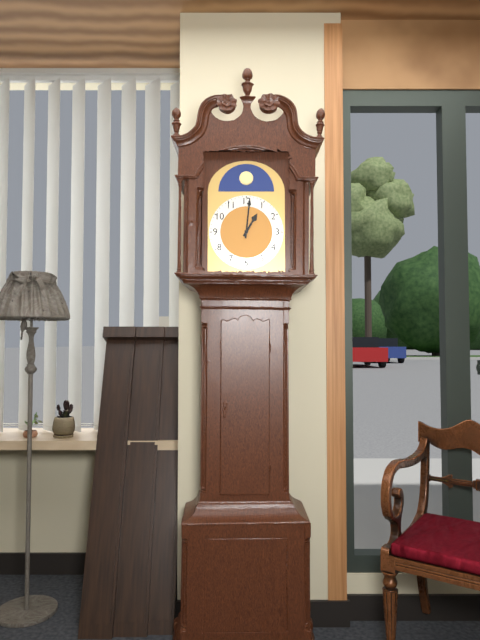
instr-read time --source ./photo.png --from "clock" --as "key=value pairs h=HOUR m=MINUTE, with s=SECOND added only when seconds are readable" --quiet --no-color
h=1 m=1
